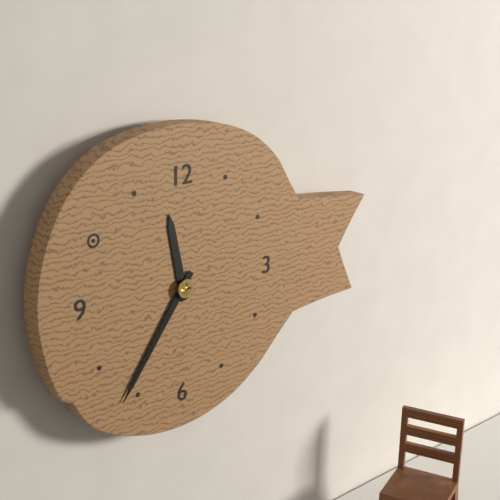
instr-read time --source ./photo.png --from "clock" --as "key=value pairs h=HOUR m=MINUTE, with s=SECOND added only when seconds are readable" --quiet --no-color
h=11 m=36
